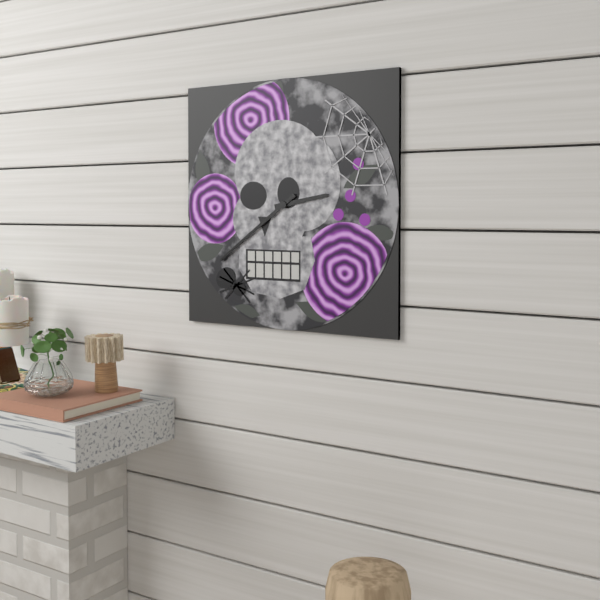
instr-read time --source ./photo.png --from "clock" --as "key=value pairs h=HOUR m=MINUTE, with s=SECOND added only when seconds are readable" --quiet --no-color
h=2 m=39
